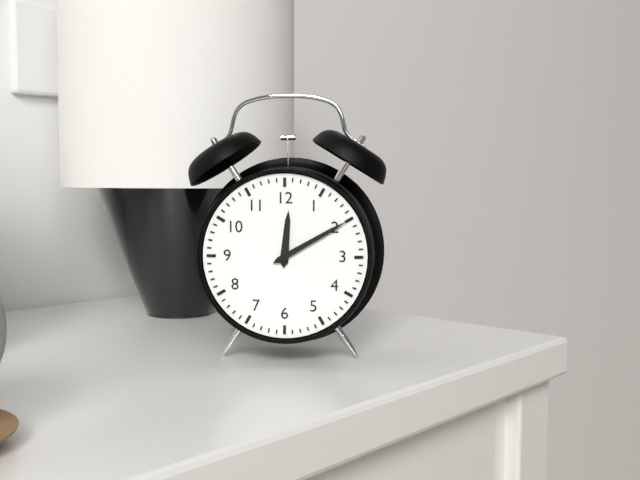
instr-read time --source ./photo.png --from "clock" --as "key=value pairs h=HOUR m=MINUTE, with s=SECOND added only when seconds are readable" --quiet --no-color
h=12 m=10
